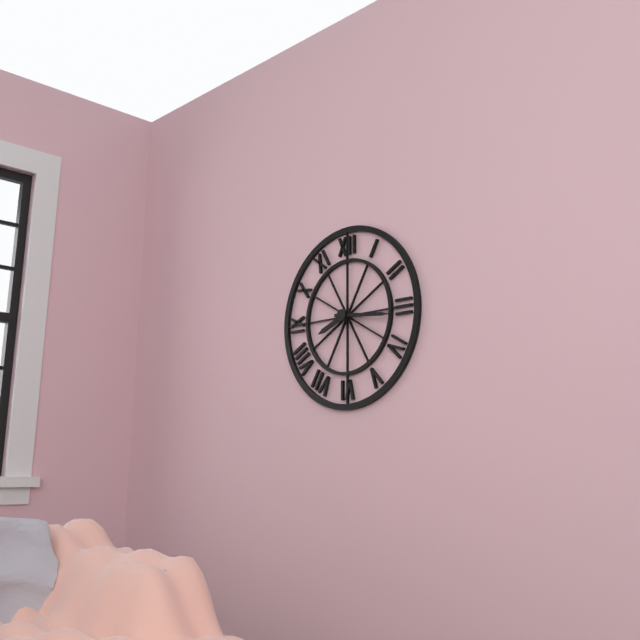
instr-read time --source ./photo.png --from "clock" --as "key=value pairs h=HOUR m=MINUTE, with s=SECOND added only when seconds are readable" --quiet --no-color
h=8 m=16
